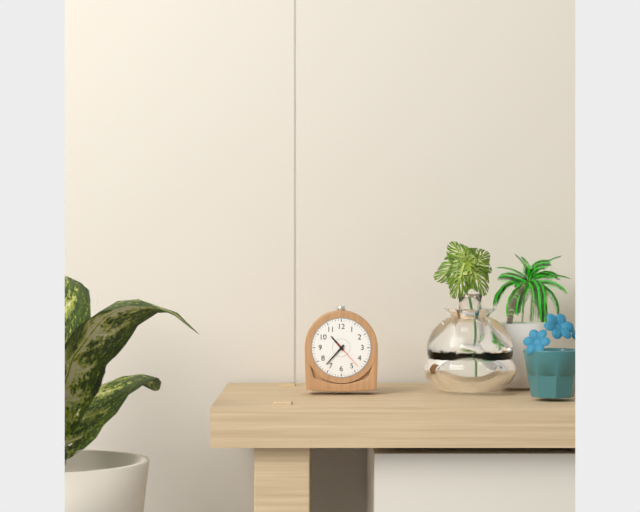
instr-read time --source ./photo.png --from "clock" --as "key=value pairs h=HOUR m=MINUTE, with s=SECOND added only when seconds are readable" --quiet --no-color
h=10 m=37
